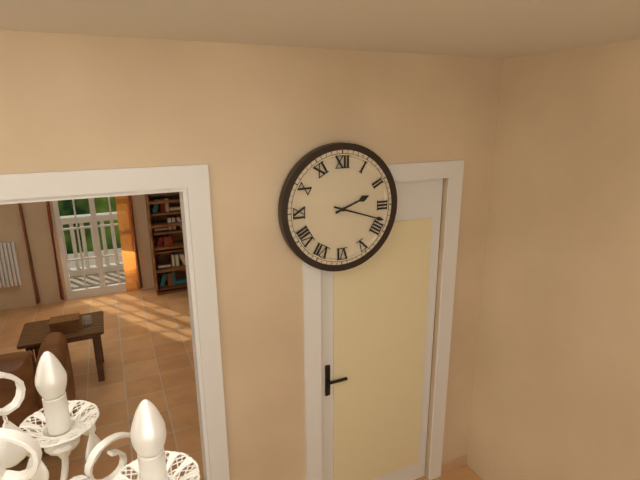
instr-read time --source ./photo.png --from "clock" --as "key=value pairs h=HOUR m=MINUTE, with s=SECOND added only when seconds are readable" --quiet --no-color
h=2 m=18
